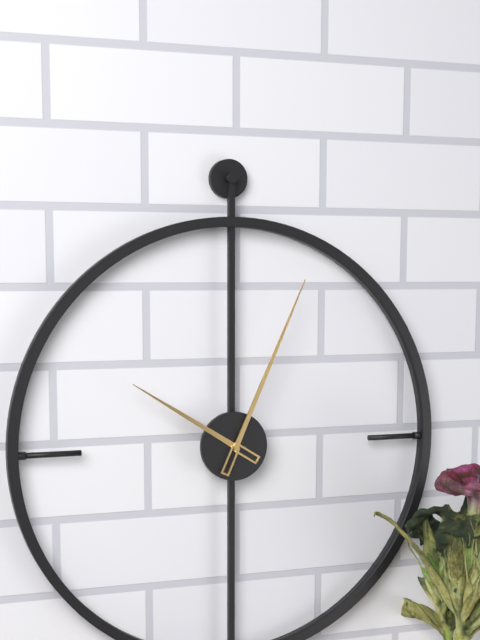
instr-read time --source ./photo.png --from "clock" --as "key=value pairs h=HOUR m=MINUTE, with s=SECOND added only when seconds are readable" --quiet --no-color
h=10 m=4
